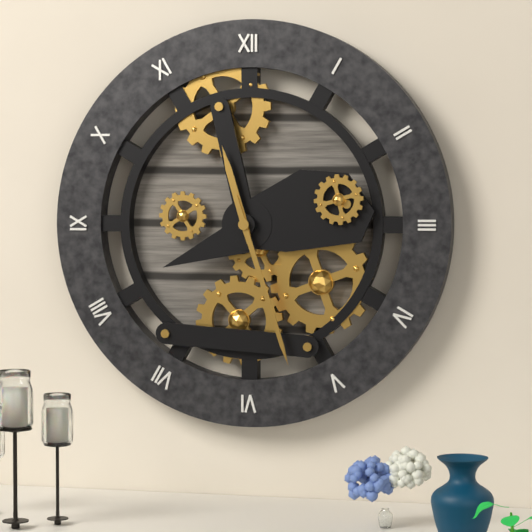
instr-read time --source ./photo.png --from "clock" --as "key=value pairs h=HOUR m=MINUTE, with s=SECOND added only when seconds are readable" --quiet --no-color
h=11 m=27
